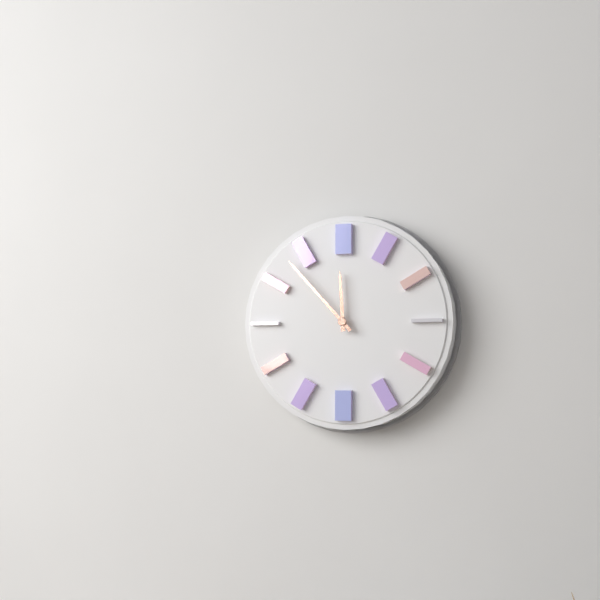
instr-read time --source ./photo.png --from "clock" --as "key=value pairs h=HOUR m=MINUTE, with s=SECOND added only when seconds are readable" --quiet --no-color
h=11 m=53
